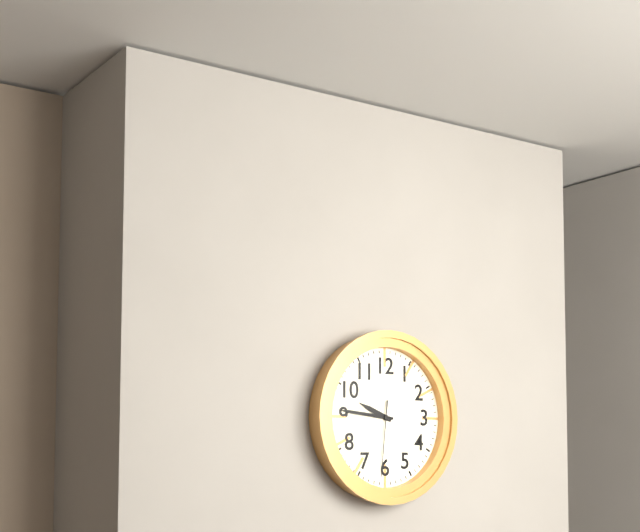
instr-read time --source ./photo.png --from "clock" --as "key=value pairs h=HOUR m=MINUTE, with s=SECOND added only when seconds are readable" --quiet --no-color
h=9 m=46 s=31
